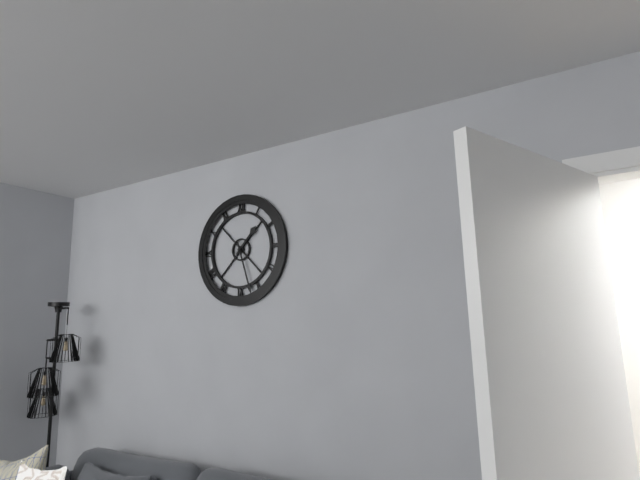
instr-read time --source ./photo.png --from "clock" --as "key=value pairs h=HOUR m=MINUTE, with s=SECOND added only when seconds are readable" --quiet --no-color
h=1 m=27
